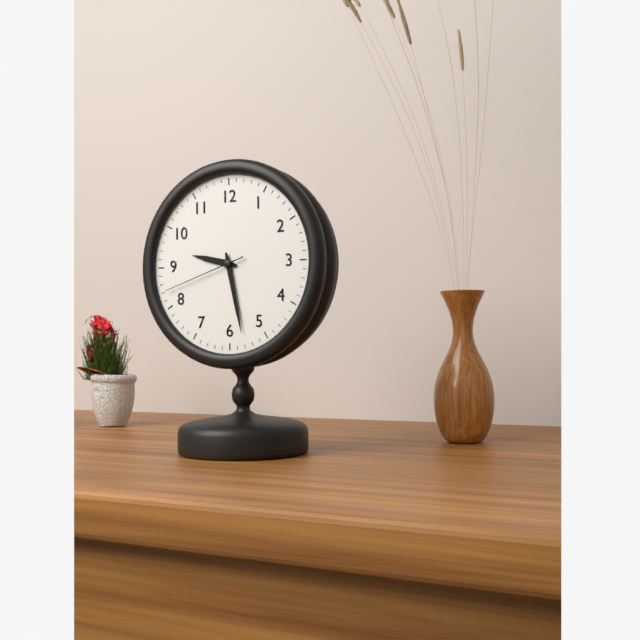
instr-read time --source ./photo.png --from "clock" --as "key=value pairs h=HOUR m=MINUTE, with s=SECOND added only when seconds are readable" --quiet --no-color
h=9 m=28 s=42
